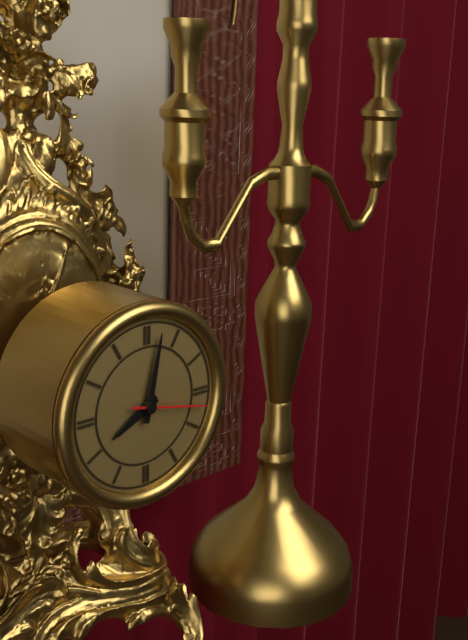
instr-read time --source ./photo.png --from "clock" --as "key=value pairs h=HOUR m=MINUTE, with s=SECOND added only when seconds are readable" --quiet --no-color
h=8 m=2 s=17
